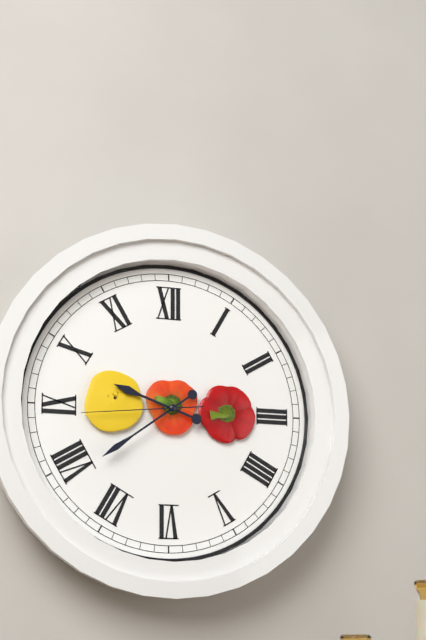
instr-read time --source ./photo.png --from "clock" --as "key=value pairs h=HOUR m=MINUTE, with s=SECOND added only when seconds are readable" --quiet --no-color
h=9 m=39 s=44
